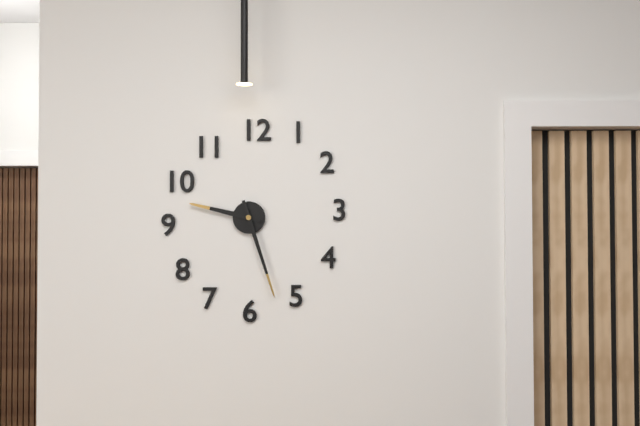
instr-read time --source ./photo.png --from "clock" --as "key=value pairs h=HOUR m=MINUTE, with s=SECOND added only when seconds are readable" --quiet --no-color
h=9 m=27
